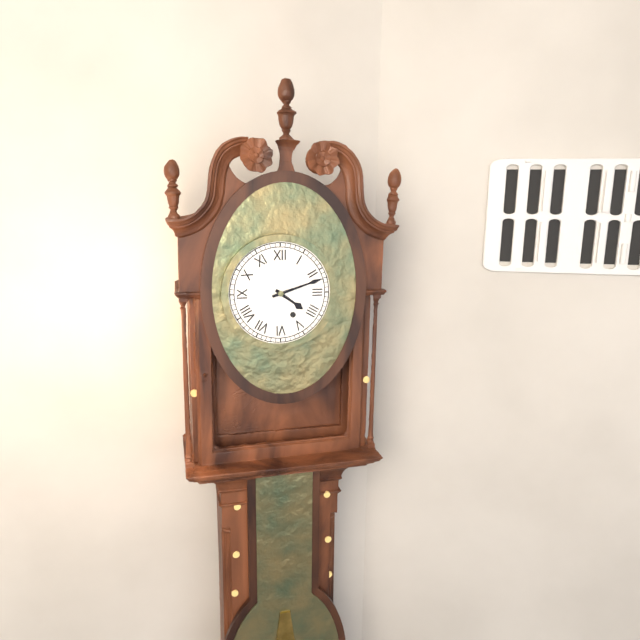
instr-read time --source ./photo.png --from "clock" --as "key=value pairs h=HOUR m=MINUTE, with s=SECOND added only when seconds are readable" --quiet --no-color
h=4 m=12
